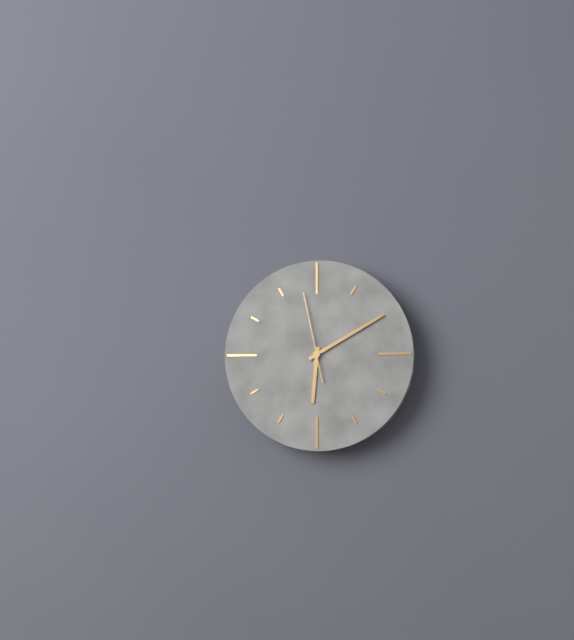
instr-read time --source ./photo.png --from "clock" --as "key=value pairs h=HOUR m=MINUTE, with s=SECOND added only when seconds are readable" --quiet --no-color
h=6 m=10 s=58
